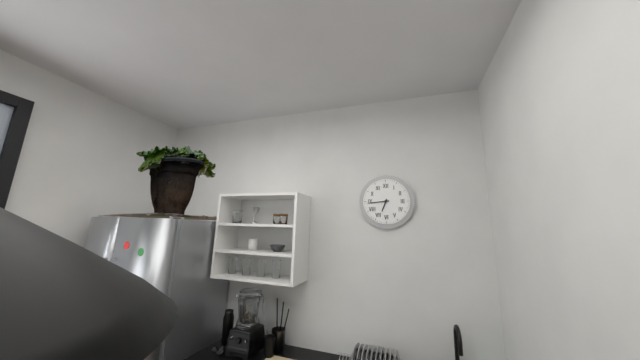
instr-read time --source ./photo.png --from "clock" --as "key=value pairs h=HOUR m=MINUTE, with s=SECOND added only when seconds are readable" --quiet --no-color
h=6 m=44
